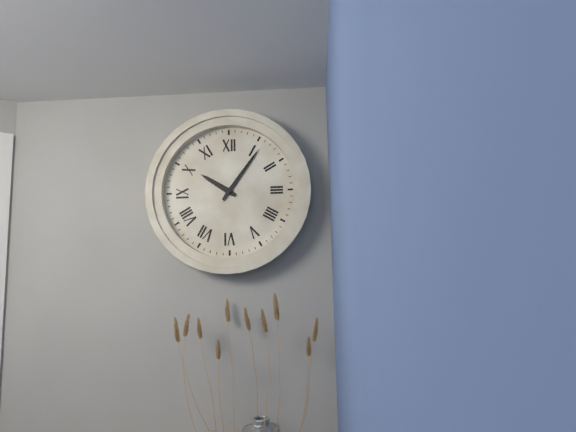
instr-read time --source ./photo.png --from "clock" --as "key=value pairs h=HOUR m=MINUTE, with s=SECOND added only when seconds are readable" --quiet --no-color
h=10 m=6
